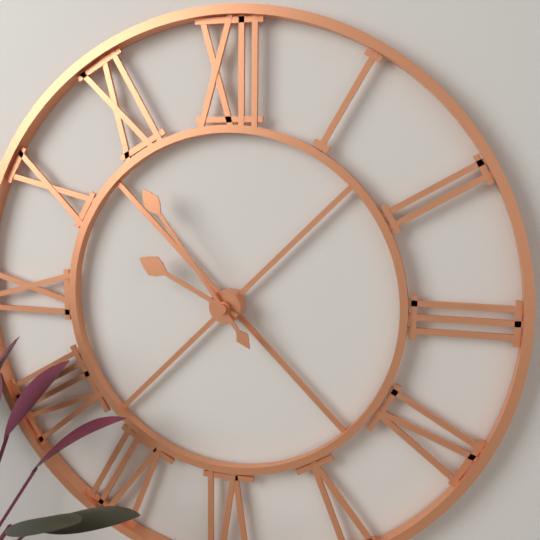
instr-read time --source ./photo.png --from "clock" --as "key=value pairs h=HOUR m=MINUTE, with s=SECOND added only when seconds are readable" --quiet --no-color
h=9 m=54
